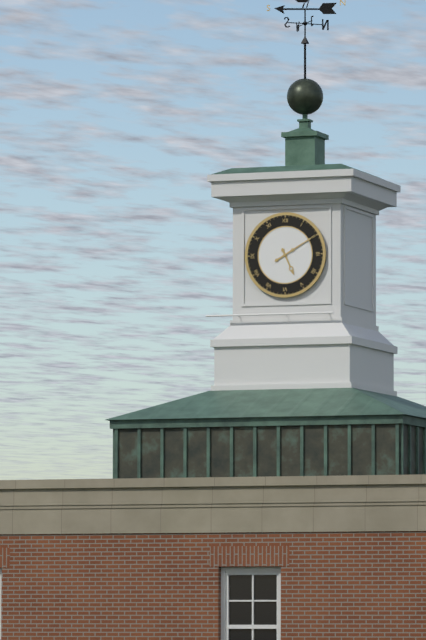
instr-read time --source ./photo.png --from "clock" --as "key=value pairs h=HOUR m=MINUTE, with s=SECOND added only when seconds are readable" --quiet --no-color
h=5 m=10
